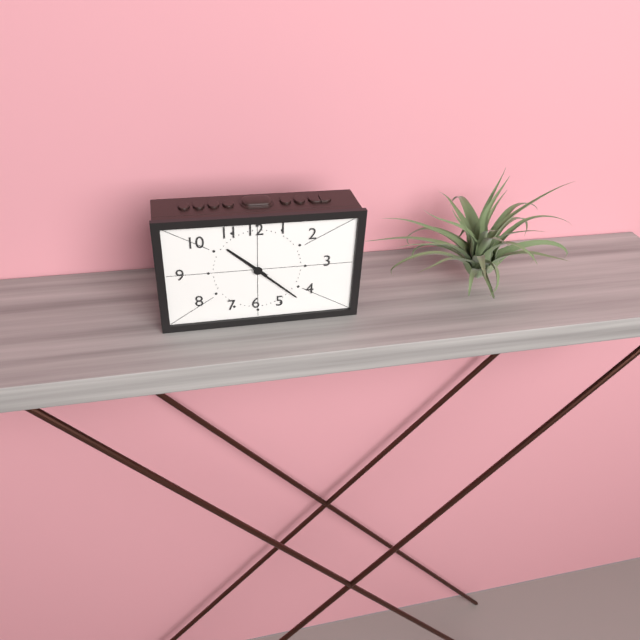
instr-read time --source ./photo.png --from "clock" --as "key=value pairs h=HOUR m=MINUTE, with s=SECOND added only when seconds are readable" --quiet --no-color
h=10 m=22
